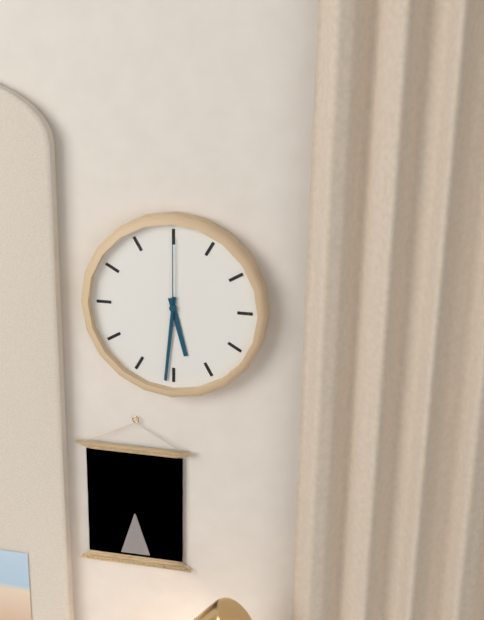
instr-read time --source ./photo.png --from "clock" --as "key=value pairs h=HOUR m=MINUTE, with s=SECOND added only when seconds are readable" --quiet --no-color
h=5 m=31 s=0
